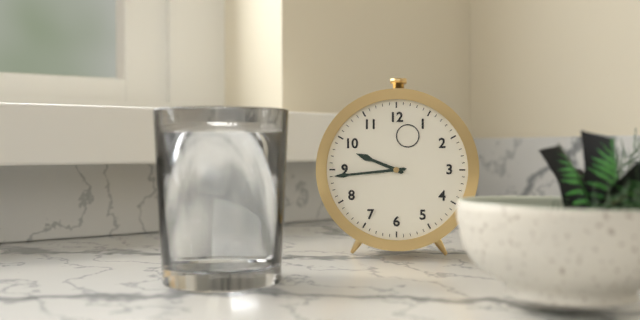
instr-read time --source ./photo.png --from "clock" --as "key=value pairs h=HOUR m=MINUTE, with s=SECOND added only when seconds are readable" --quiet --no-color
h=9 m=44
